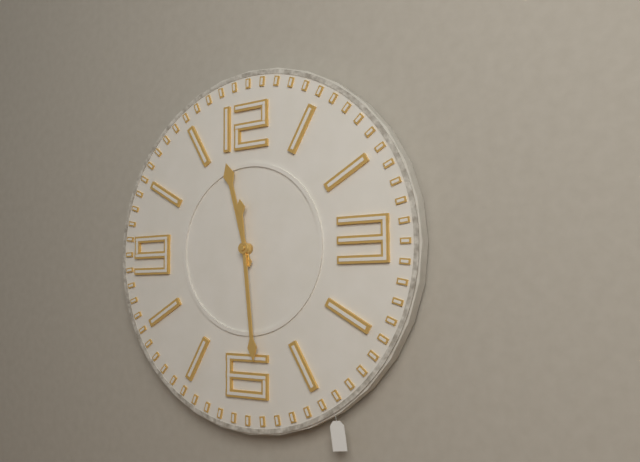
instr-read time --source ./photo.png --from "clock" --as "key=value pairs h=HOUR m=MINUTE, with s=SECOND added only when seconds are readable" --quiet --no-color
h=11 m=29
